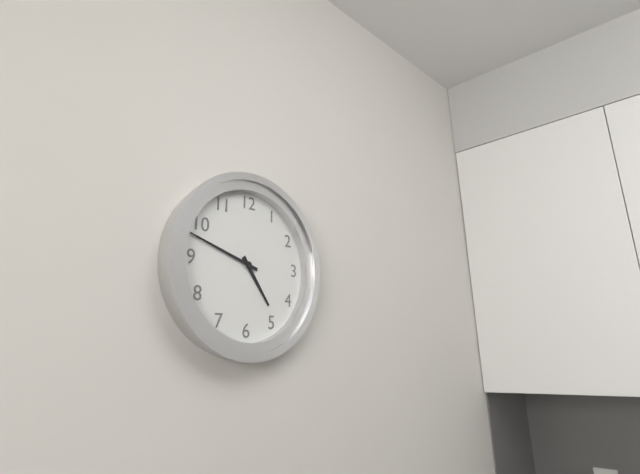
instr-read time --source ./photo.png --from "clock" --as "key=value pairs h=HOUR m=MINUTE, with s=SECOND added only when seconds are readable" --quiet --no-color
h=4 m=48
